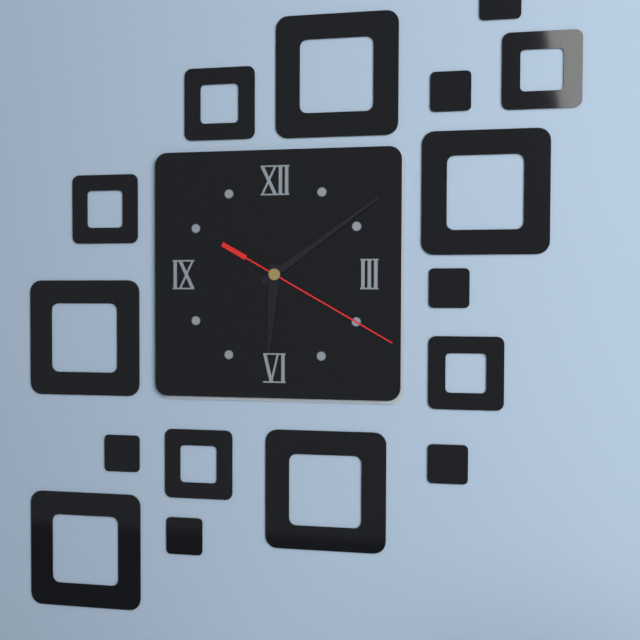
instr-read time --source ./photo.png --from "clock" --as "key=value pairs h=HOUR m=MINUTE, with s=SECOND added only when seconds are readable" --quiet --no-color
h=6 m=9 s=20
